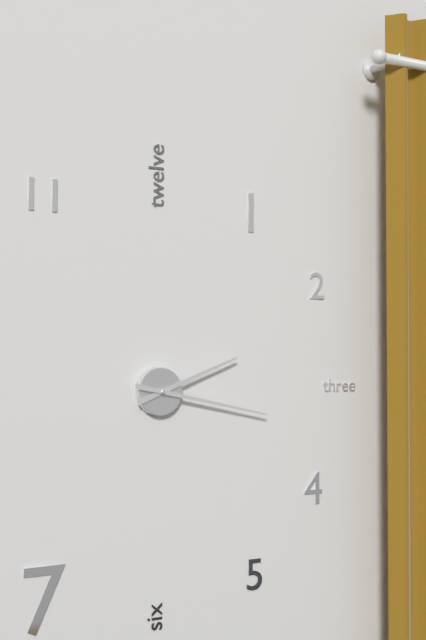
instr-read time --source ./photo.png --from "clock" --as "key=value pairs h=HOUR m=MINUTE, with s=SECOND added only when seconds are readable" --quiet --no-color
h=2 m=17
